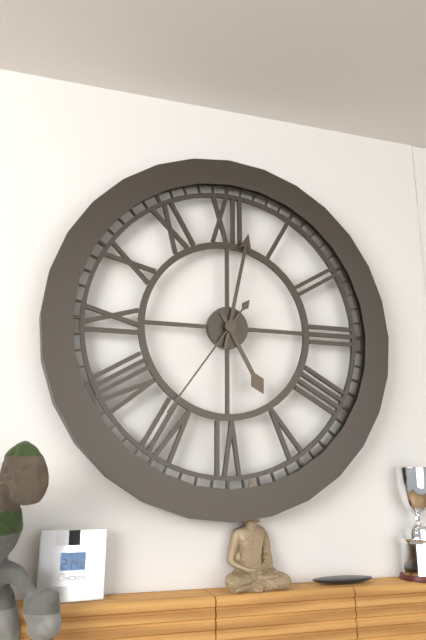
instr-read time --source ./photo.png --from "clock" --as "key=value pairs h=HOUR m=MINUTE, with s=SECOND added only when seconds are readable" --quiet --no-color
h=5 m=2 s=36
